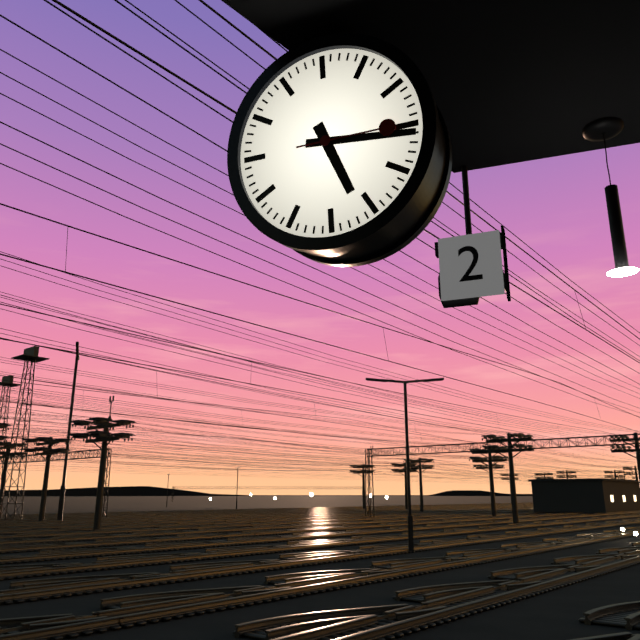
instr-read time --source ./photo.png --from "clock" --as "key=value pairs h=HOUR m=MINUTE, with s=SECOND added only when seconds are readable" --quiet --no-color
h=5 m=16 s=15
